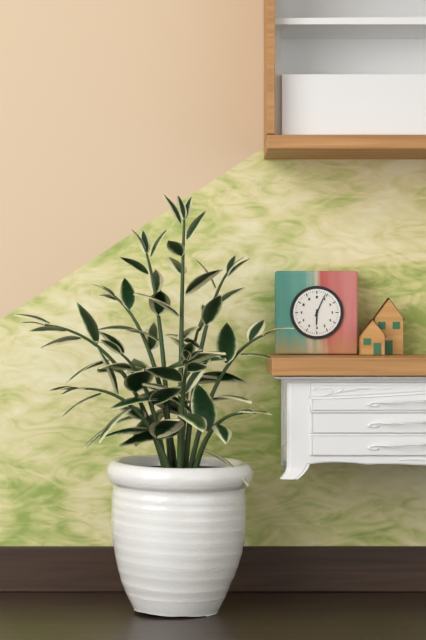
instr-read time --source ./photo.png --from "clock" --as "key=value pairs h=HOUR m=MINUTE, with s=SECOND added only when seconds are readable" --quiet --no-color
h=6 m=4
